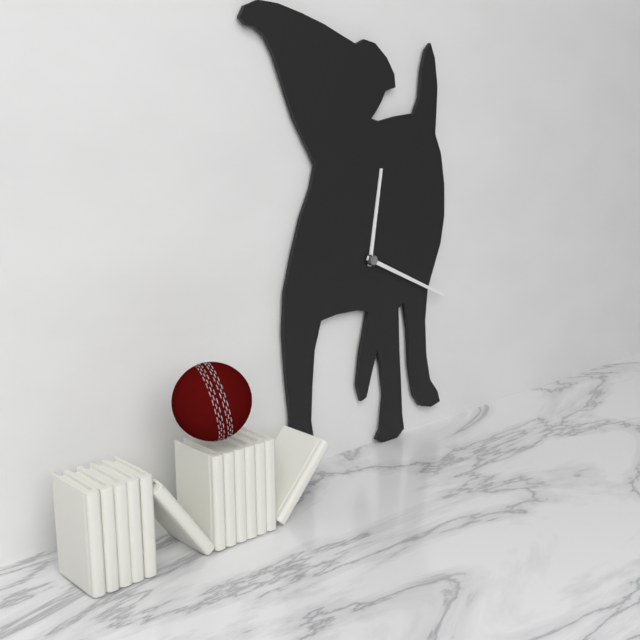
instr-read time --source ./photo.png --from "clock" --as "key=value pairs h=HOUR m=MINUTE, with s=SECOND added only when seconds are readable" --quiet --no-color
h=12 m=19
